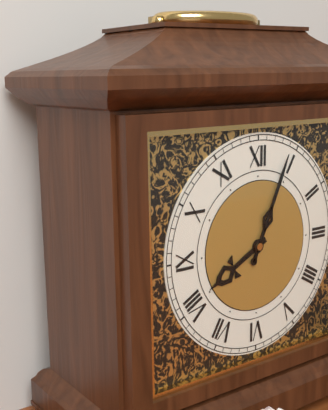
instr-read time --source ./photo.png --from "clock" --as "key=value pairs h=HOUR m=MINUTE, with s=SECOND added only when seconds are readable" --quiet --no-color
h=8 m=4
